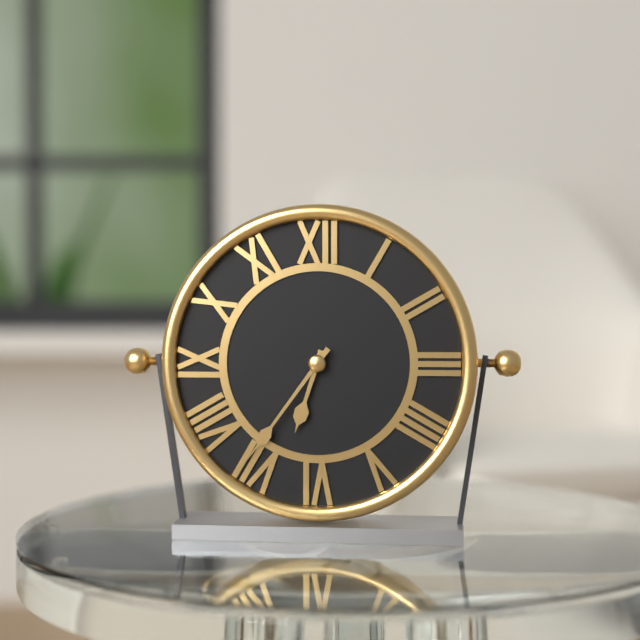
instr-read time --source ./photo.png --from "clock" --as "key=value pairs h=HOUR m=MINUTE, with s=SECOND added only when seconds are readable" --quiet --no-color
h=6 m=36
